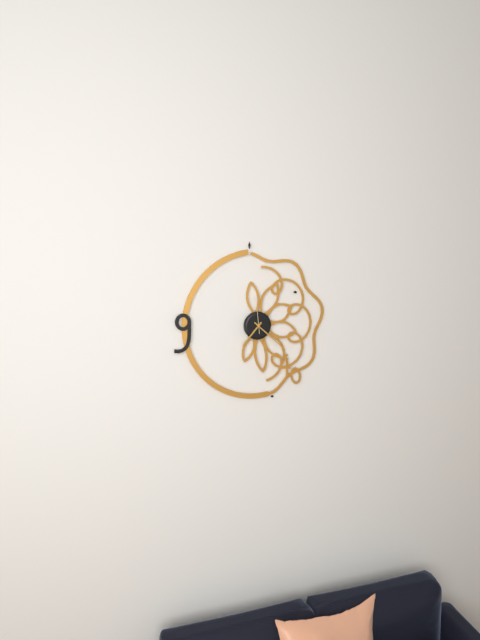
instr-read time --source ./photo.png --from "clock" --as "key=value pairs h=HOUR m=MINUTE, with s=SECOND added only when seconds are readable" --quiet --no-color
h=7 m=22
